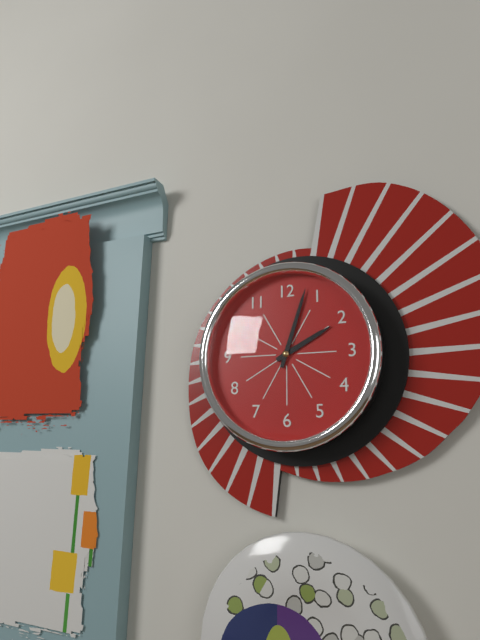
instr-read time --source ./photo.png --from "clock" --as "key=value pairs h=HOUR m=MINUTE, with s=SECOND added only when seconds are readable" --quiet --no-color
h=2 m=3
